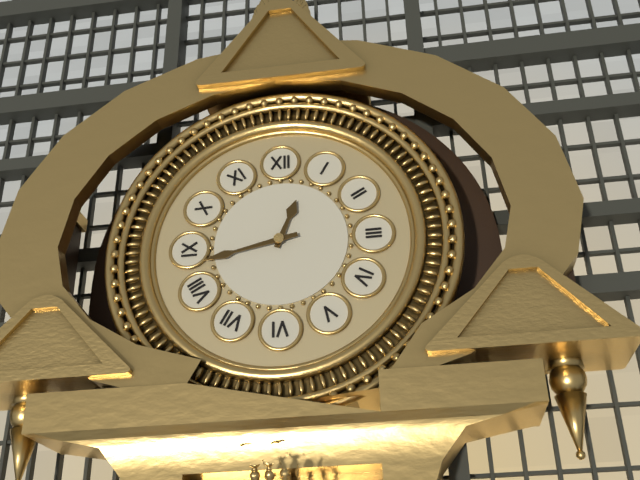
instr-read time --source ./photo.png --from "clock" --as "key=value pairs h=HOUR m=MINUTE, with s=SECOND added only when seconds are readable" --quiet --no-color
h=12 m=43
